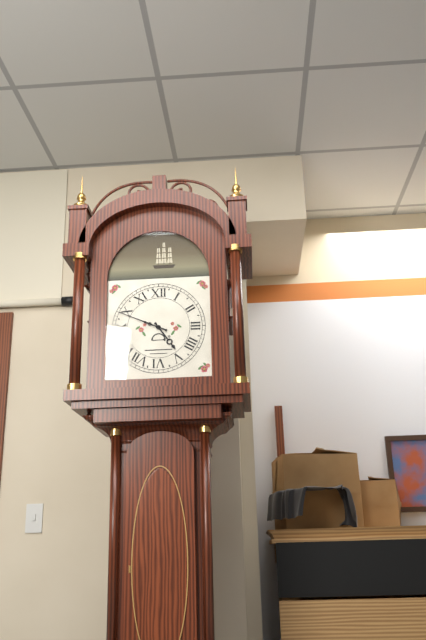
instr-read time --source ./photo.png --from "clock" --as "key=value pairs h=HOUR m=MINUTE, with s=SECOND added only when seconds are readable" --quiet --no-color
h=4 m=49
